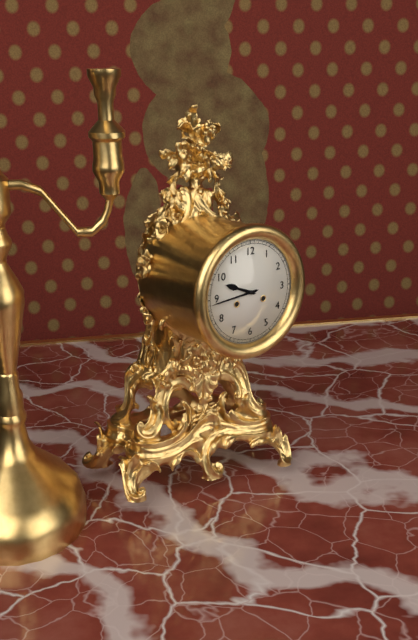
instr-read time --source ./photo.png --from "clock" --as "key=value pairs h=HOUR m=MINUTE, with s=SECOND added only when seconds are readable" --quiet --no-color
h=9 m=44
